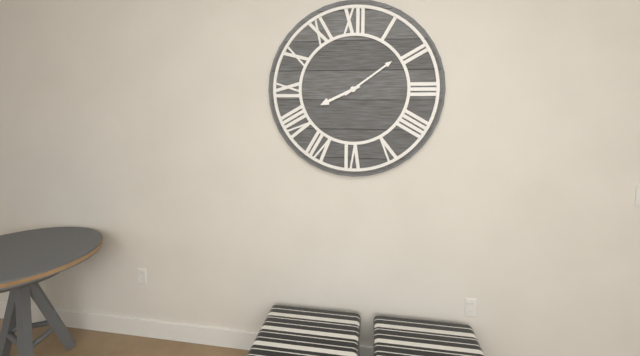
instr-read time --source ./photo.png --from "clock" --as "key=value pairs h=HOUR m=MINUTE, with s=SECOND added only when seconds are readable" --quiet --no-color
h=8 m=9
